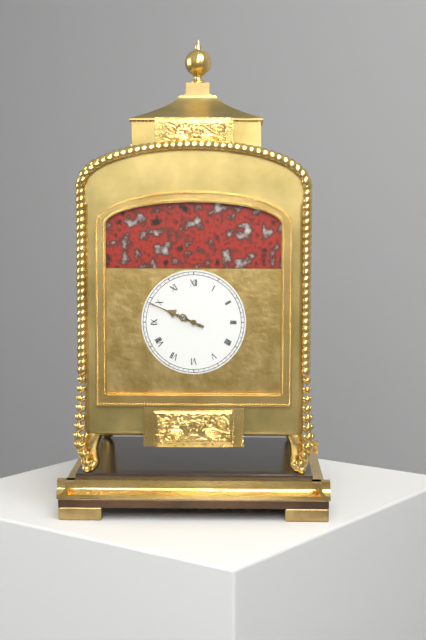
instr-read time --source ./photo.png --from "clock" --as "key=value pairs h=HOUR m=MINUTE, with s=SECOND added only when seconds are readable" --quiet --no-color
h=9 m=49
